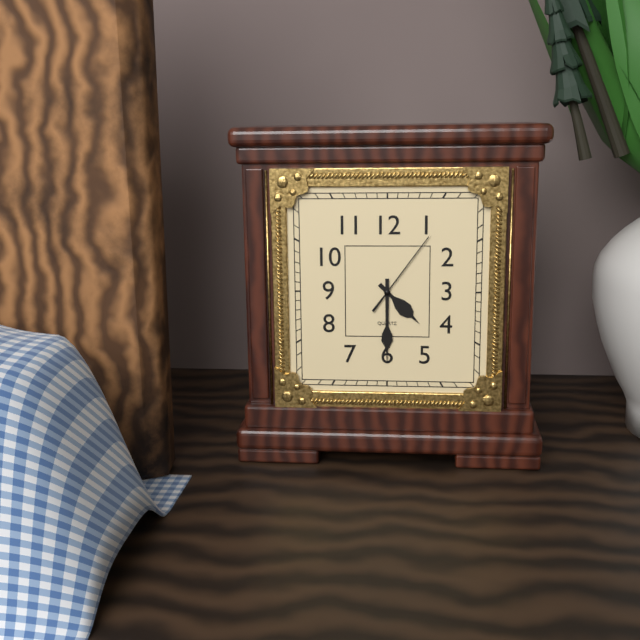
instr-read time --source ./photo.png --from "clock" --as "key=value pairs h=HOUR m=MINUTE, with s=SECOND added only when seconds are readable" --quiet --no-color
h=4 m=30 s=6
